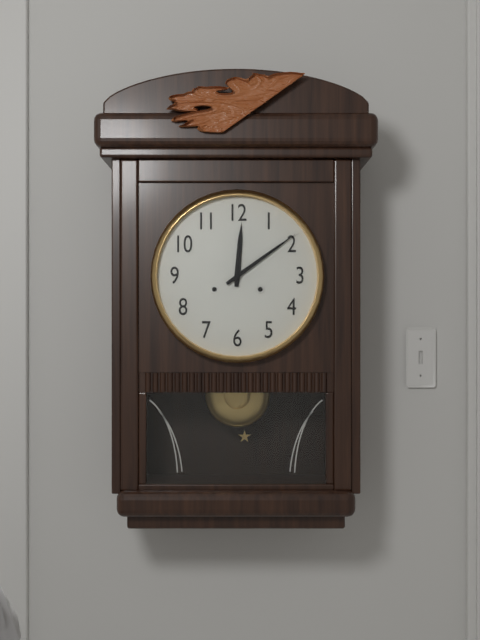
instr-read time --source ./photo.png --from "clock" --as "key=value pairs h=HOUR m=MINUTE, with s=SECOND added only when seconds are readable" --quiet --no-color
h=12 m=9
